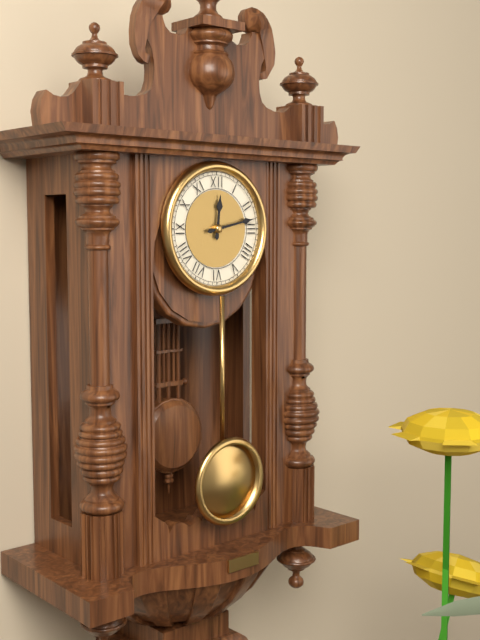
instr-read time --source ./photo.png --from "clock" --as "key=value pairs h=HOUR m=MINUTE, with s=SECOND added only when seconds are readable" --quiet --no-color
h=12 m=13
